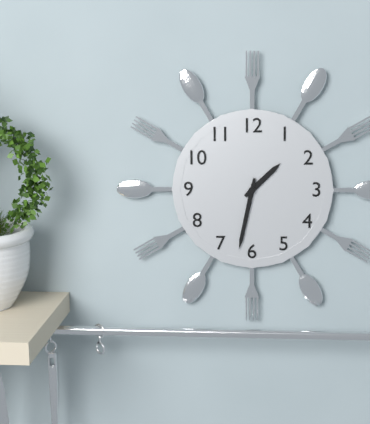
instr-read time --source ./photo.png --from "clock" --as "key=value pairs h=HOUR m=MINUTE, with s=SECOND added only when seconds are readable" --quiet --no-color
h=1 m=32
